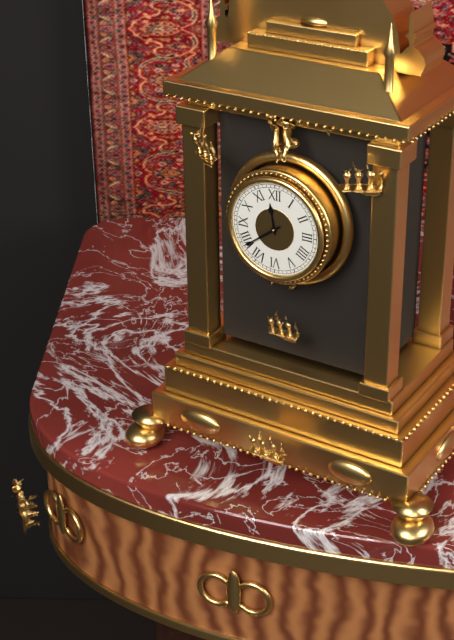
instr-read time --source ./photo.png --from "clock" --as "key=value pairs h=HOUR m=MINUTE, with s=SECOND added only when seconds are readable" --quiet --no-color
h=11 m=39
